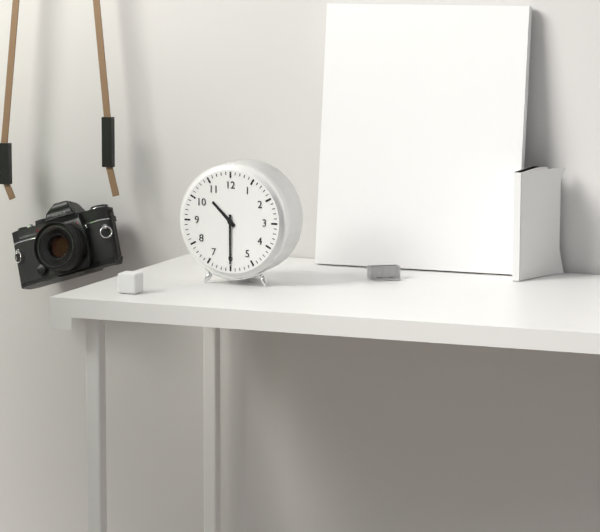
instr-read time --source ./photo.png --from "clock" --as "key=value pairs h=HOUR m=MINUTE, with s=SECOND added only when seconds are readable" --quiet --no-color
h=10 m=30
